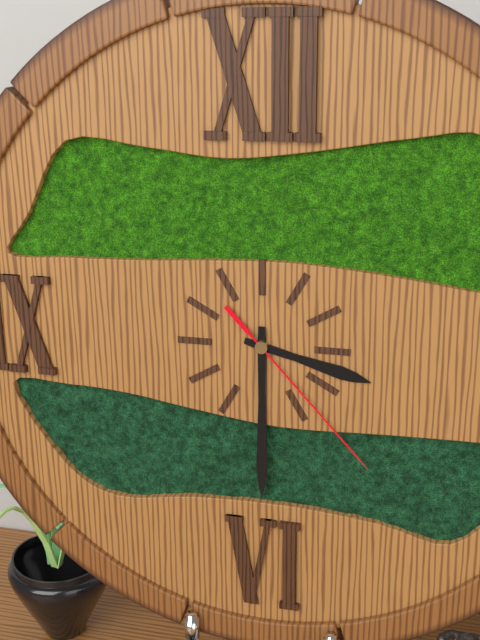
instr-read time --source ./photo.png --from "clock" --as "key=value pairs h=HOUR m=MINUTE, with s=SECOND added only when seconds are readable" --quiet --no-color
h=3 m=30 s=23
